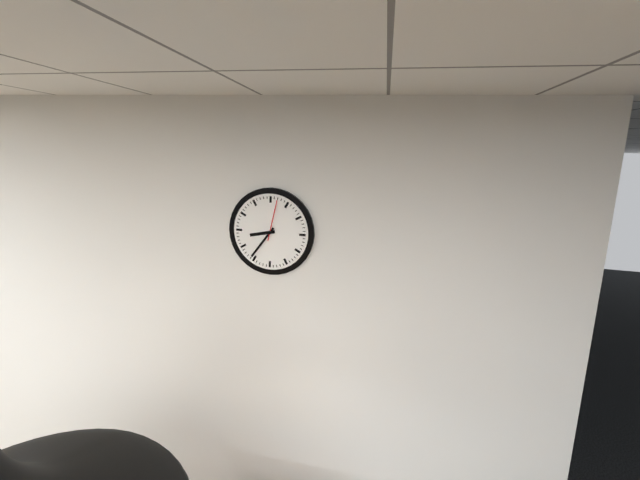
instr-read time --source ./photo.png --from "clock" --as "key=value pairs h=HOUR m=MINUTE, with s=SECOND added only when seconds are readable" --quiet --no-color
h=8 m=36
